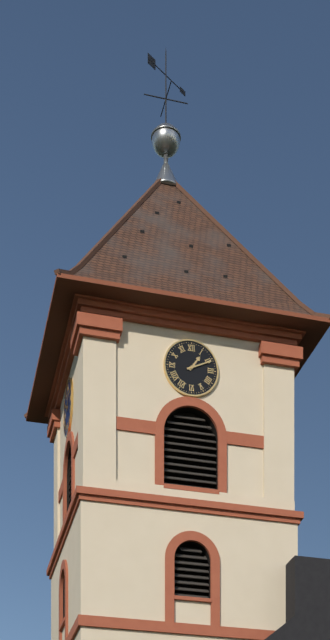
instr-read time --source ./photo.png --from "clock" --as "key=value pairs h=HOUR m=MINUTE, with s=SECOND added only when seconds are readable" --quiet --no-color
h=1 m=11
